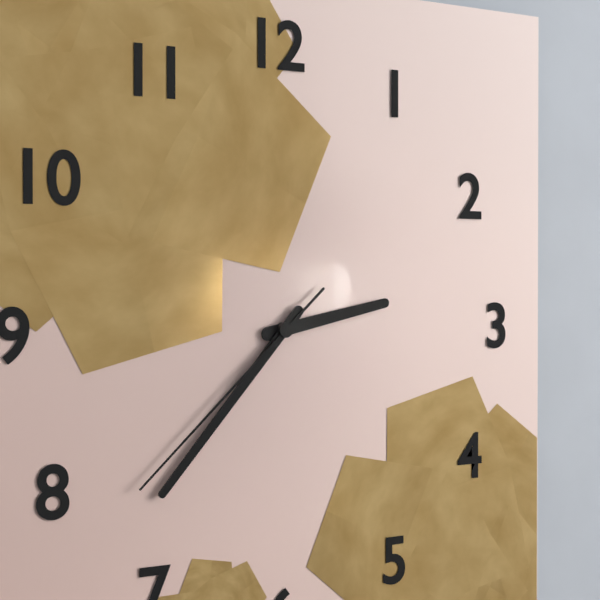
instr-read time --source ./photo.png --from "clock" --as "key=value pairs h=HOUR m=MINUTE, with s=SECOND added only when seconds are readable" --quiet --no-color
h=2 m=37 s=38
